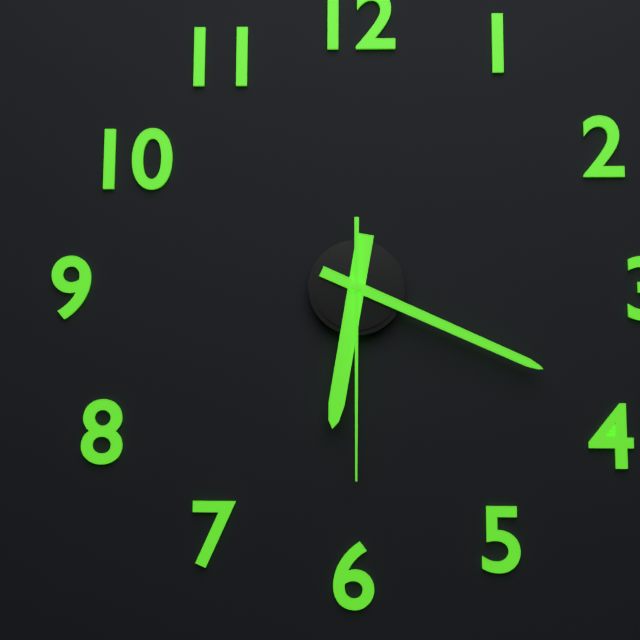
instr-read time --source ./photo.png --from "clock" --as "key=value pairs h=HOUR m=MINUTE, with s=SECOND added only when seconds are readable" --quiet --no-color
h=6 m=19 s=30
